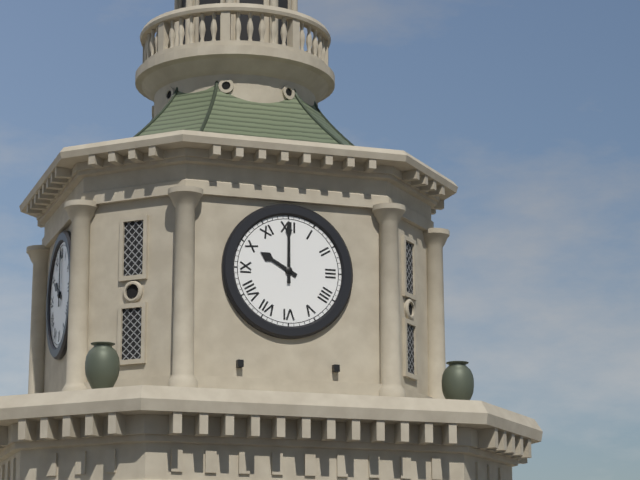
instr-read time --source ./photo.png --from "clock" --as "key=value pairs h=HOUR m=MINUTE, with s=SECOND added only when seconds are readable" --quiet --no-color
h=10 m=0
